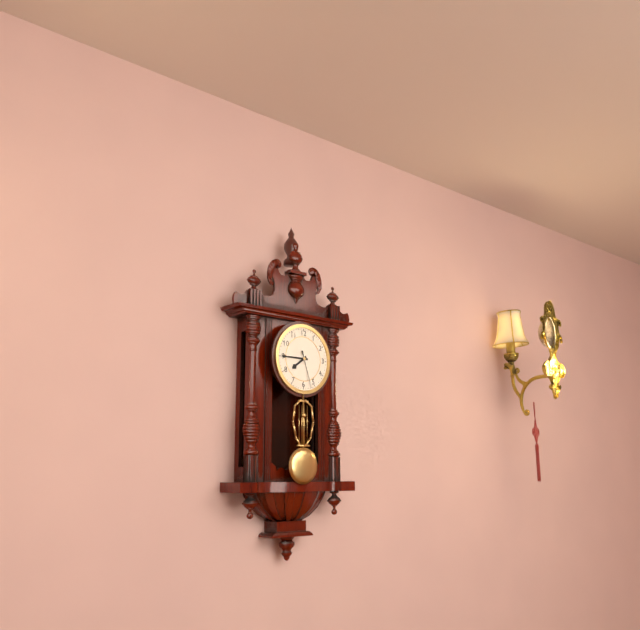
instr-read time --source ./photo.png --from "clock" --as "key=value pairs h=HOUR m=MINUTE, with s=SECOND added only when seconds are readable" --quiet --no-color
h=7 m=45
